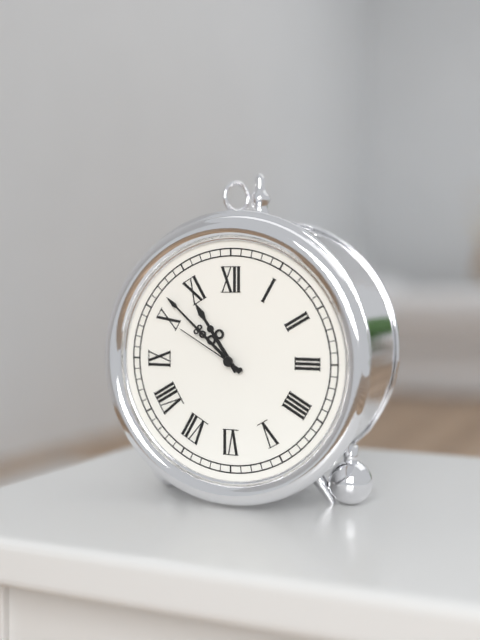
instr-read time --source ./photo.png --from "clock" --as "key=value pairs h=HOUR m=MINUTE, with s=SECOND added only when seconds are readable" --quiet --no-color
h=10 m=52 s=50
